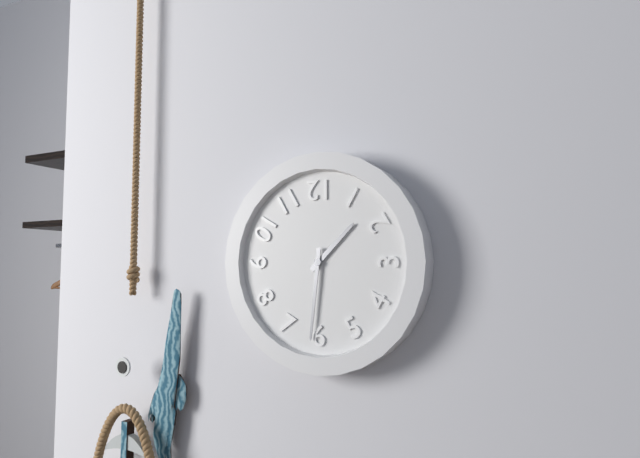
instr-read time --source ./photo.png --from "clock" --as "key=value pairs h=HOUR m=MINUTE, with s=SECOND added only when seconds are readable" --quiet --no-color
h=1 m=31
